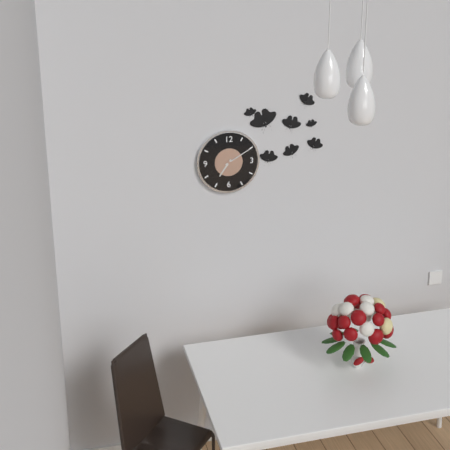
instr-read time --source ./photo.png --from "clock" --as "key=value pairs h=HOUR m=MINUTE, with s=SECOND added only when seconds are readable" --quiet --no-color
h=7 m=10
